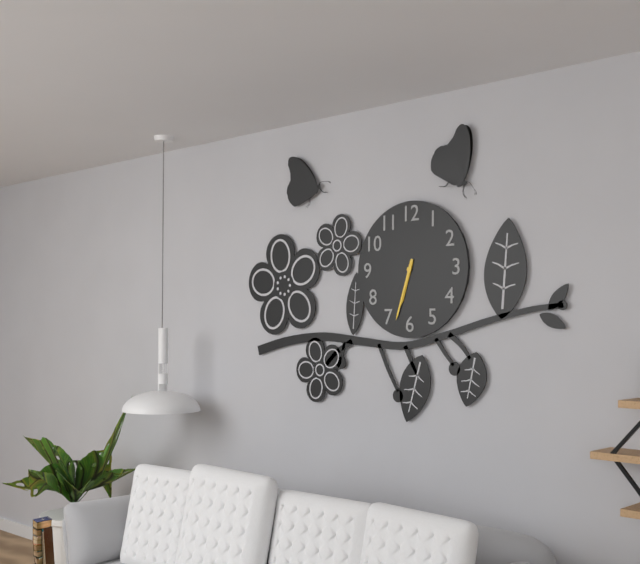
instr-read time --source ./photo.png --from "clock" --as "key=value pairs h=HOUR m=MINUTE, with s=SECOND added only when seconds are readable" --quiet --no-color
h=6 m=33
